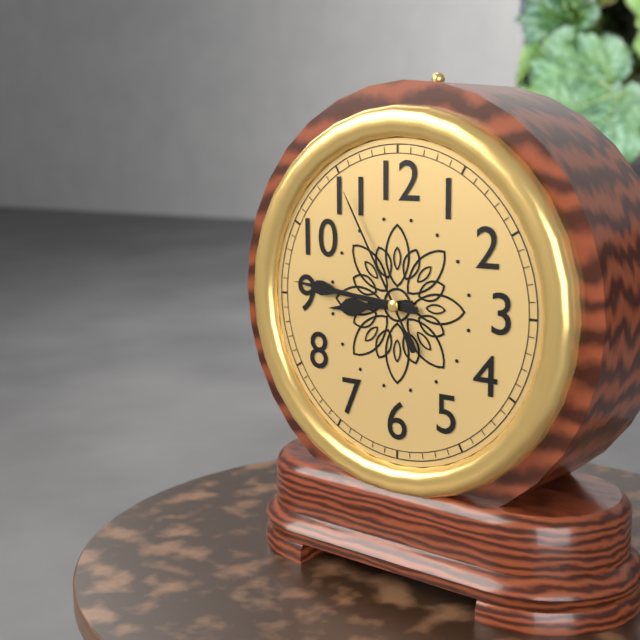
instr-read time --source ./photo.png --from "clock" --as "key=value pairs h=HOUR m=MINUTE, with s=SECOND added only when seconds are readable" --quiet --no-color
h=8 m=46 s=55
